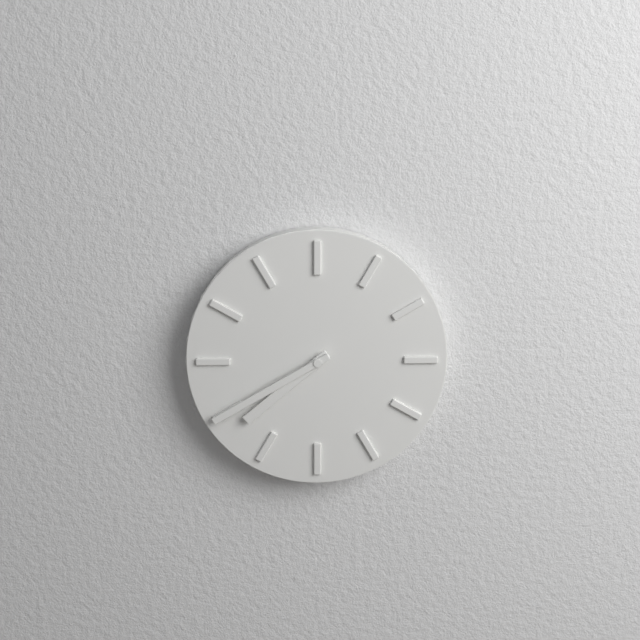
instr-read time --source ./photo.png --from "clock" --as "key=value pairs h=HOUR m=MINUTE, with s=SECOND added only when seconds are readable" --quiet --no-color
h=7 m=40
